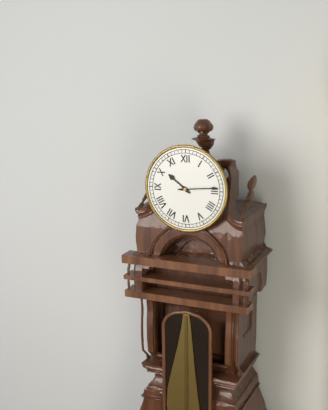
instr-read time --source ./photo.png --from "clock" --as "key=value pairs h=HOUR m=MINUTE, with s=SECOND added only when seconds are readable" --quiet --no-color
h=10 m=14
